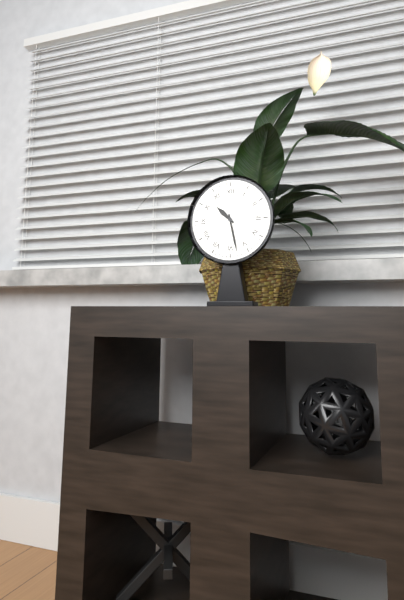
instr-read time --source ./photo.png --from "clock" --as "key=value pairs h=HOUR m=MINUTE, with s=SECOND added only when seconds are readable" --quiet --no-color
h=10 m=28
